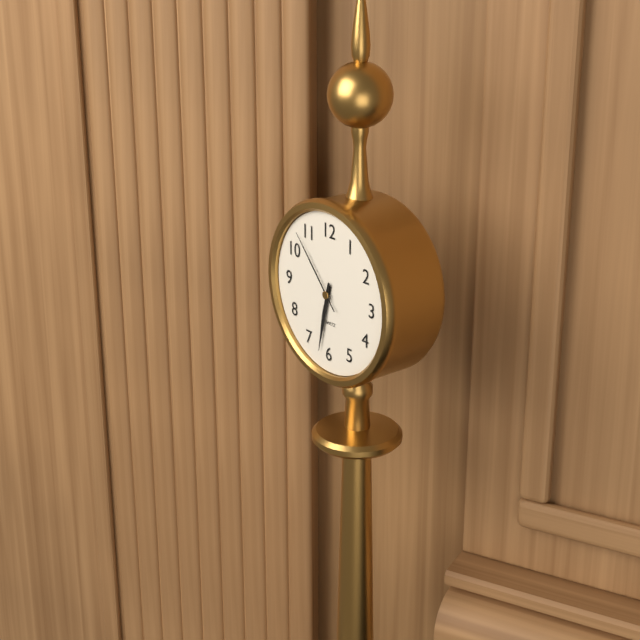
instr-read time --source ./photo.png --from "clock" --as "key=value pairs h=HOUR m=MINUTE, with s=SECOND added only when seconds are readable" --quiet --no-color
h=6 m=32 s=53
